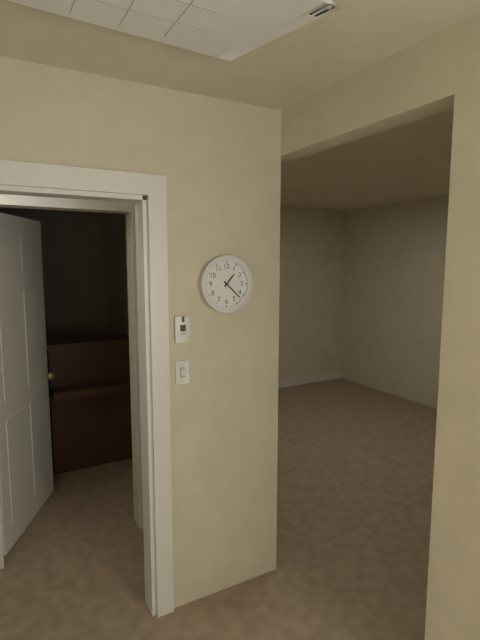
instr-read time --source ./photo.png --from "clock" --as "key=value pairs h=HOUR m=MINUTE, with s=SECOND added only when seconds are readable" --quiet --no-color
h=1 m=22
